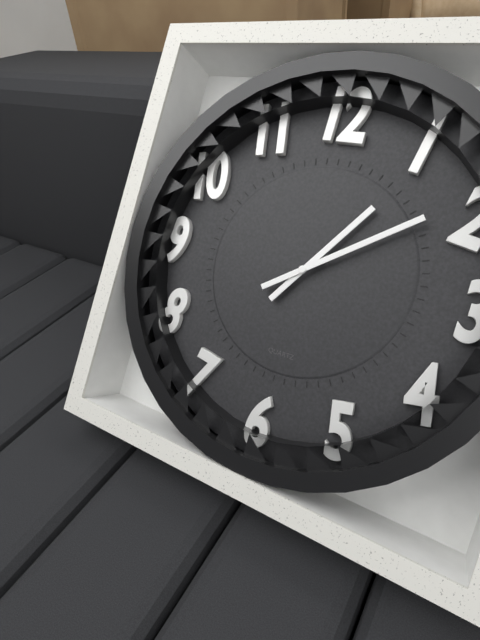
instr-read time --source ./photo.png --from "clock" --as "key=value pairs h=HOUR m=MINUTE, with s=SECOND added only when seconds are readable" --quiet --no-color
h=1 m=9
